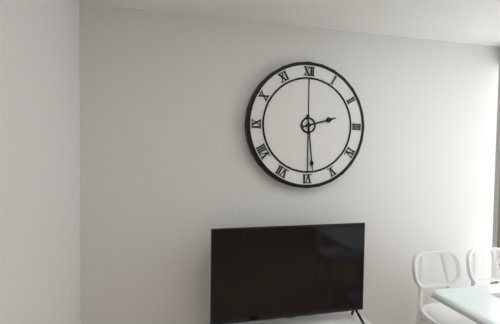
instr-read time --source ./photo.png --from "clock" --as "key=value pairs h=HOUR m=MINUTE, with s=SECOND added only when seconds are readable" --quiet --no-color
h=2 m=29
